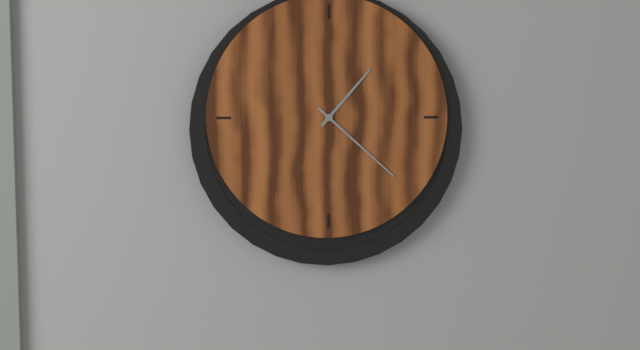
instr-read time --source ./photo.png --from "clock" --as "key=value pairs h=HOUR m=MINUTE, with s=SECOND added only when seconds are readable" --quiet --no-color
h=1 m=22
